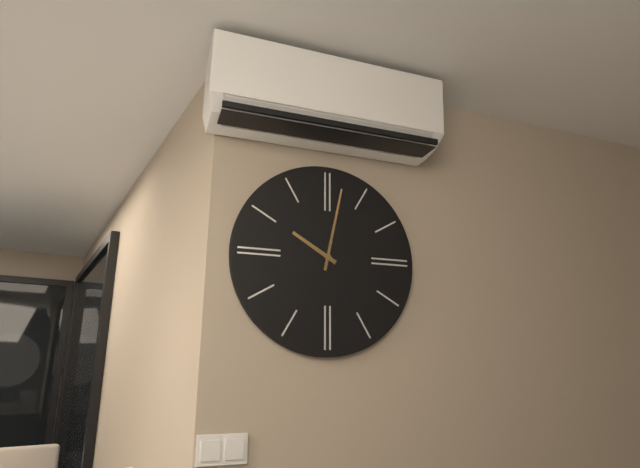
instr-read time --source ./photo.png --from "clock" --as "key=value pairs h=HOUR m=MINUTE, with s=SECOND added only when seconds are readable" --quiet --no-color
h=10 m=2
